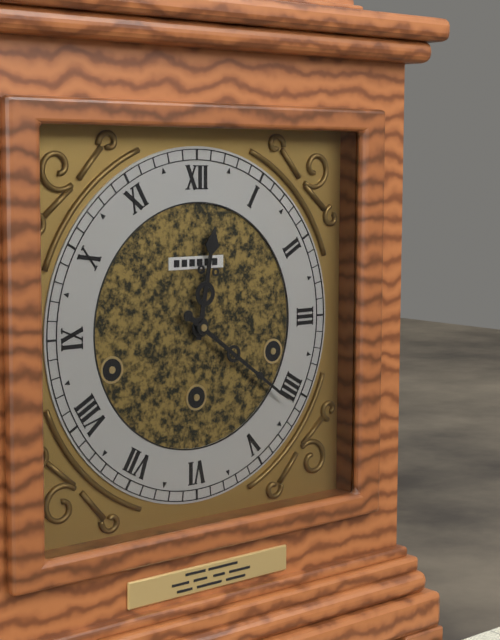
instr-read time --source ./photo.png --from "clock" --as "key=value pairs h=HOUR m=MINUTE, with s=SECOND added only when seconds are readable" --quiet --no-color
h=12 m=21
